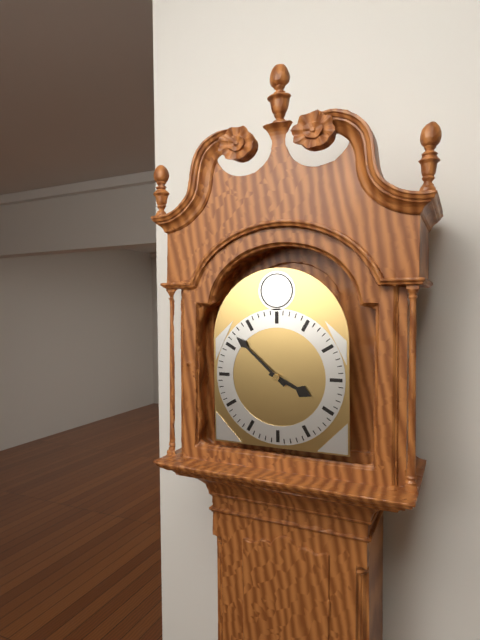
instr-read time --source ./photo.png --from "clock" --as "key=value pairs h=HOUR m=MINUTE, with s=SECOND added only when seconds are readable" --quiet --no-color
h=3 m=52
